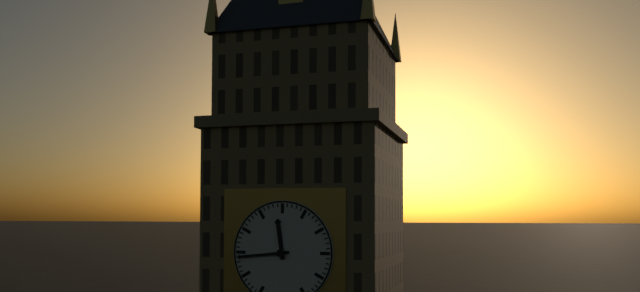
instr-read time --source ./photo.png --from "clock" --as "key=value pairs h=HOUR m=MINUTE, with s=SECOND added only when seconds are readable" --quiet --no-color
h=11 m=44
